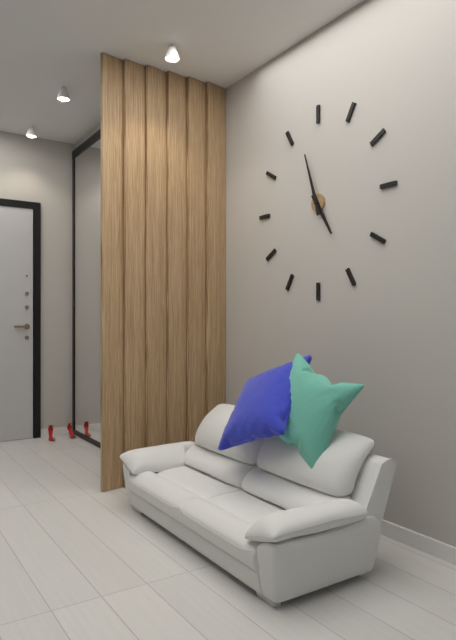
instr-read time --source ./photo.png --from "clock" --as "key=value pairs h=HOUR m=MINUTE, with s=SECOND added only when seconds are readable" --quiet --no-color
h=4 m=57
